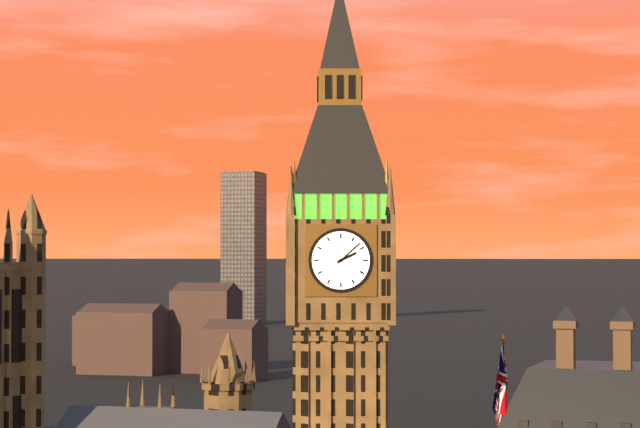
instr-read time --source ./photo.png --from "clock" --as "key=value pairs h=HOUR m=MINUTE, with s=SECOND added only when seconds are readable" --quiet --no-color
h=2 m=8
